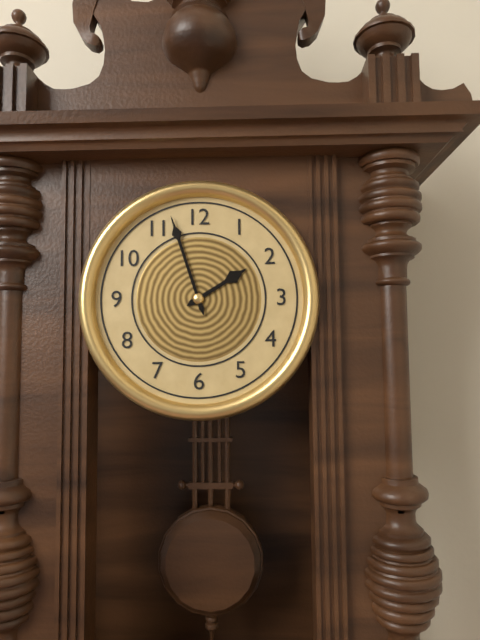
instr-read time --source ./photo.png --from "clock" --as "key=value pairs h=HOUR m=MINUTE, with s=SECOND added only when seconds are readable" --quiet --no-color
h=1 m=57
